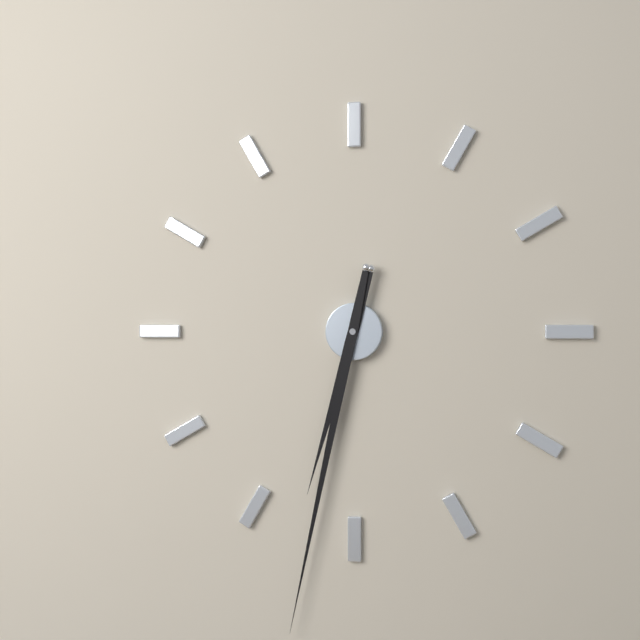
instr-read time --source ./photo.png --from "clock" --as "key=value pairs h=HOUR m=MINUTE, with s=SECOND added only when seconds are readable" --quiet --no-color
h=6 m=32
